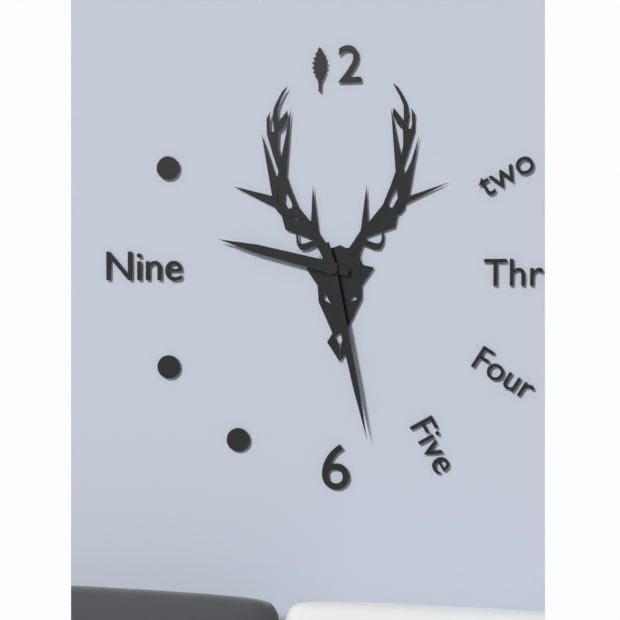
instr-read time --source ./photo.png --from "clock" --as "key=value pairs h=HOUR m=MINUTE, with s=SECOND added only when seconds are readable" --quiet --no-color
h=9 m=28
